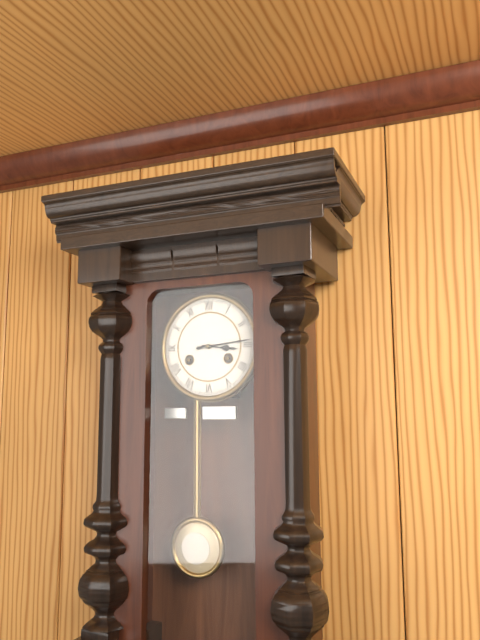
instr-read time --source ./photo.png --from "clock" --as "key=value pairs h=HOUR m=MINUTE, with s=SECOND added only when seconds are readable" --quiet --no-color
h=3 m=14
